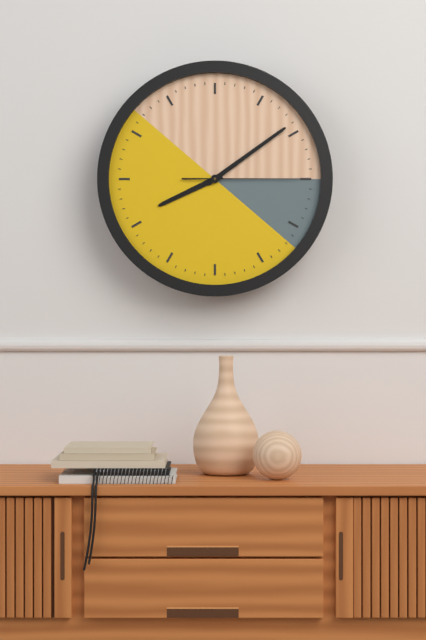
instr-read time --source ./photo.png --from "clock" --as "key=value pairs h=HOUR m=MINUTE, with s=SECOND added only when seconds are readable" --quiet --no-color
h=8 m=9 s=15
